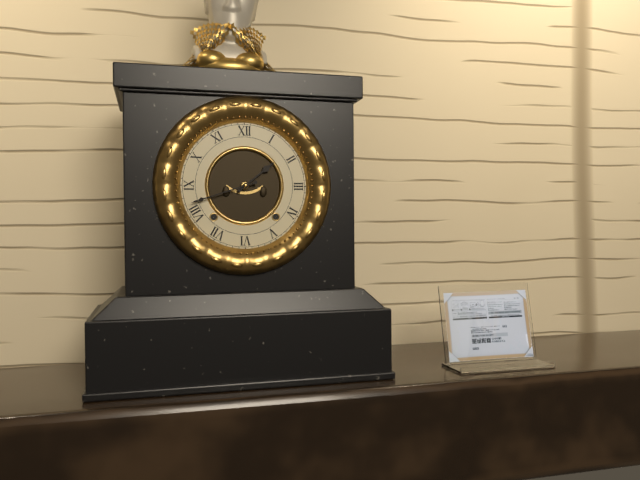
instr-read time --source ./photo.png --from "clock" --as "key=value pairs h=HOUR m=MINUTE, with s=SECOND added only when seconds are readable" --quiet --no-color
h=1 m=42
